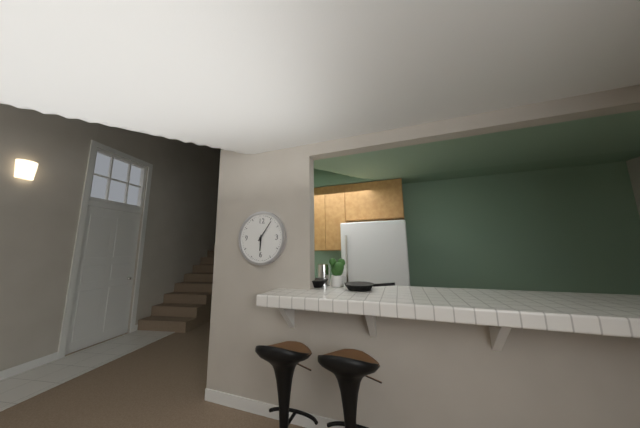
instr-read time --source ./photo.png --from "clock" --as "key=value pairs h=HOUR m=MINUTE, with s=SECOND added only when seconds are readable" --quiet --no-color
h=6 m=6
